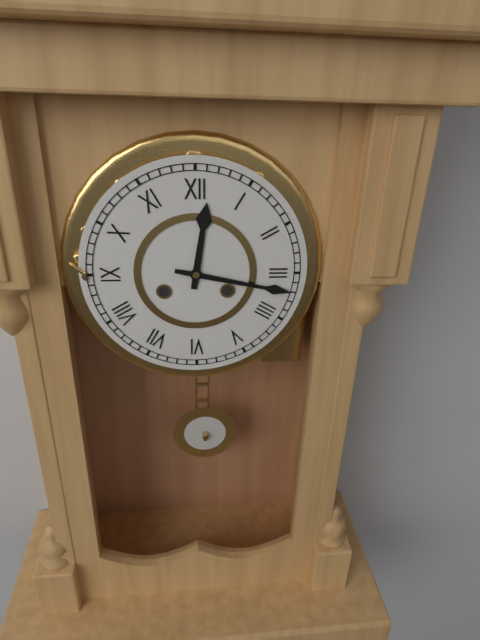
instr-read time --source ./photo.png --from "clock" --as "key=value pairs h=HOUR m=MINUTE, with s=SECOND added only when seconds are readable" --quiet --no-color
h=12 m=17
